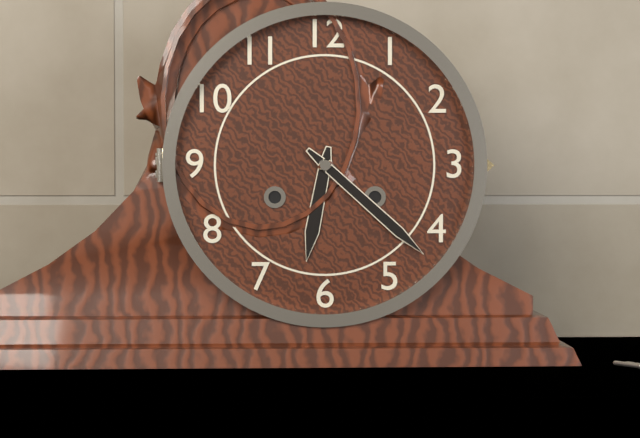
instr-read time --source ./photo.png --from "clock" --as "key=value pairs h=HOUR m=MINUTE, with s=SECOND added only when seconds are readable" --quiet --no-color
h=6 m=22
